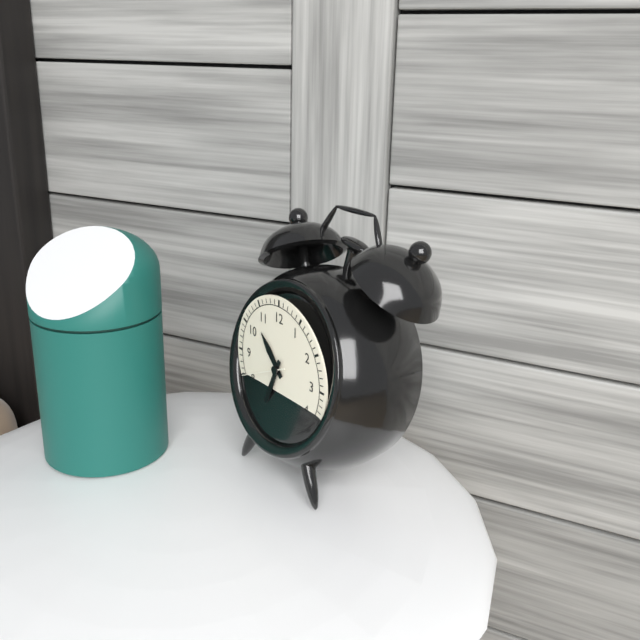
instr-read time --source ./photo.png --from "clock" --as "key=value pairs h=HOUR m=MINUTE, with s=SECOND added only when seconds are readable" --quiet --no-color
h=10 m=34
